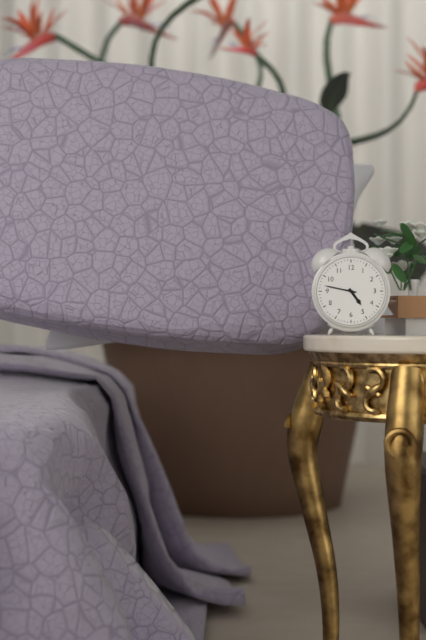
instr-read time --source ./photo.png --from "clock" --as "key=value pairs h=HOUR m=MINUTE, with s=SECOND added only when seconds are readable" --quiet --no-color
h=4 m=47
